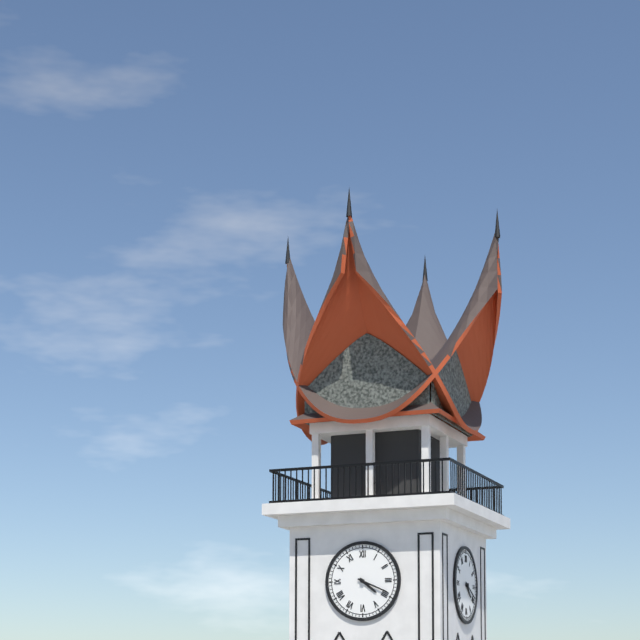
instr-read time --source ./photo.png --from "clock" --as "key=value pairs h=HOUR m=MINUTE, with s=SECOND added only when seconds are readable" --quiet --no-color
h=4 m=19
